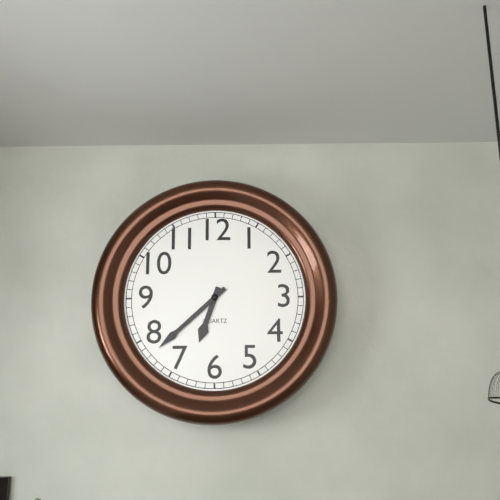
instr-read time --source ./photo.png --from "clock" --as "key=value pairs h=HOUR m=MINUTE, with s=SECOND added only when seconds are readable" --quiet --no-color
h=6 m=38
